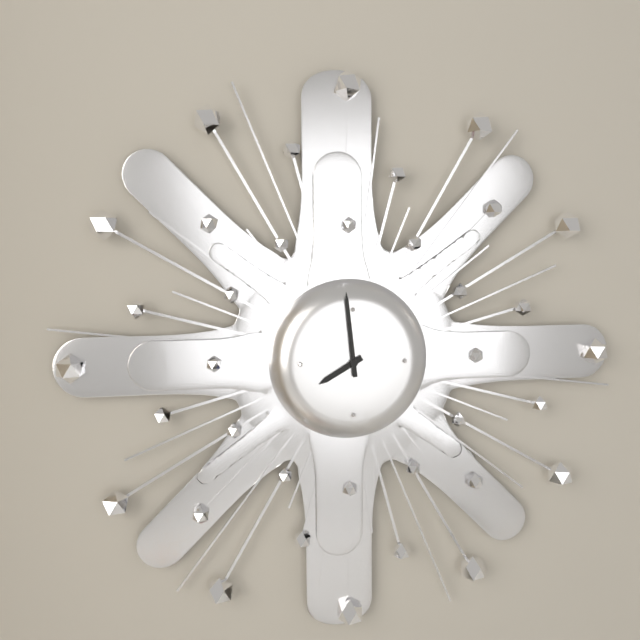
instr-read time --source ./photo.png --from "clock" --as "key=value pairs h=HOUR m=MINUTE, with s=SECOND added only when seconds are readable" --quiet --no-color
h=7 m=59
